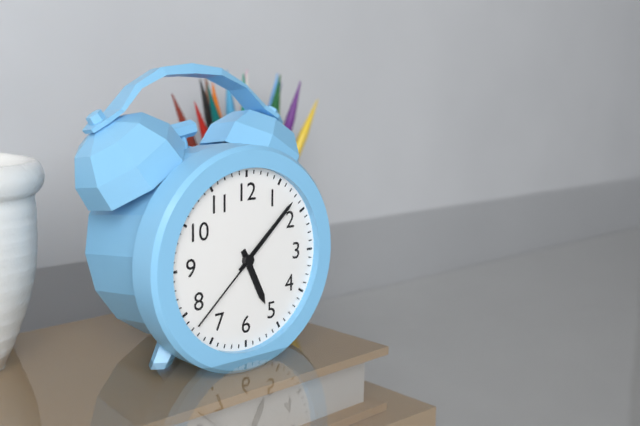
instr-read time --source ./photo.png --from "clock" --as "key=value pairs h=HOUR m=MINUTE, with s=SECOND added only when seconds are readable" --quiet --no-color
h=5 m=8 s=38
